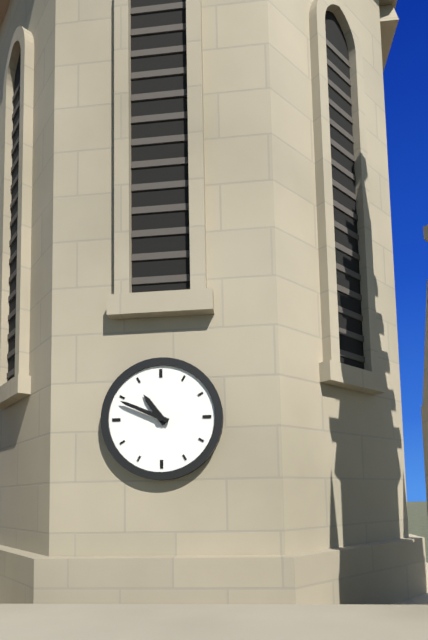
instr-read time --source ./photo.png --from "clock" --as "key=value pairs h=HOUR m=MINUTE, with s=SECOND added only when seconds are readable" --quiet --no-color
h=10 m=49
